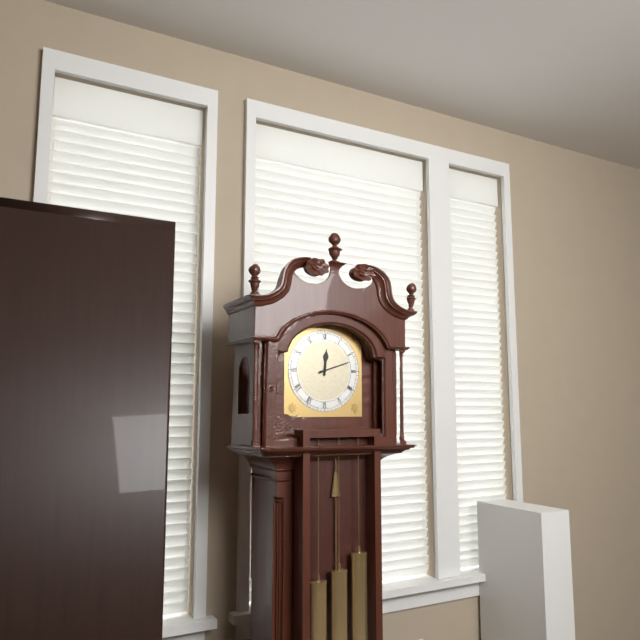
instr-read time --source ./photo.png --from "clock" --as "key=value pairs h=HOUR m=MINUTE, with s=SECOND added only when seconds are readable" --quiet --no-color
h=12 m=12
